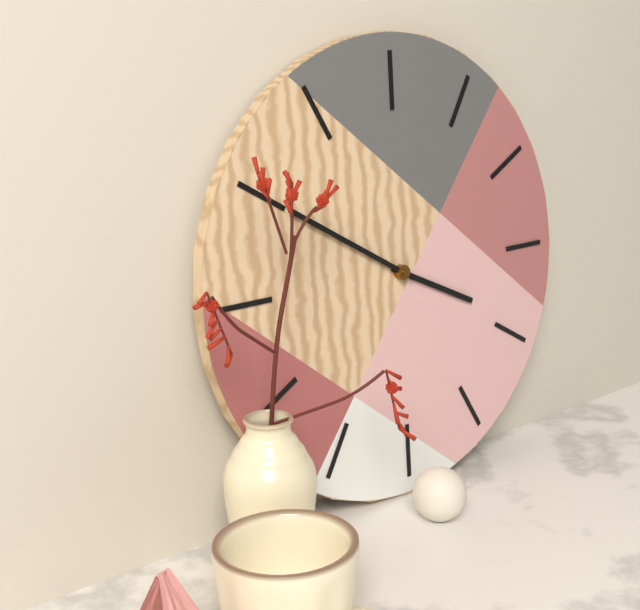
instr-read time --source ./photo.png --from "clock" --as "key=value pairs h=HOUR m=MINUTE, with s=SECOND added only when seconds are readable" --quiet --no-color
h=3 m=50
